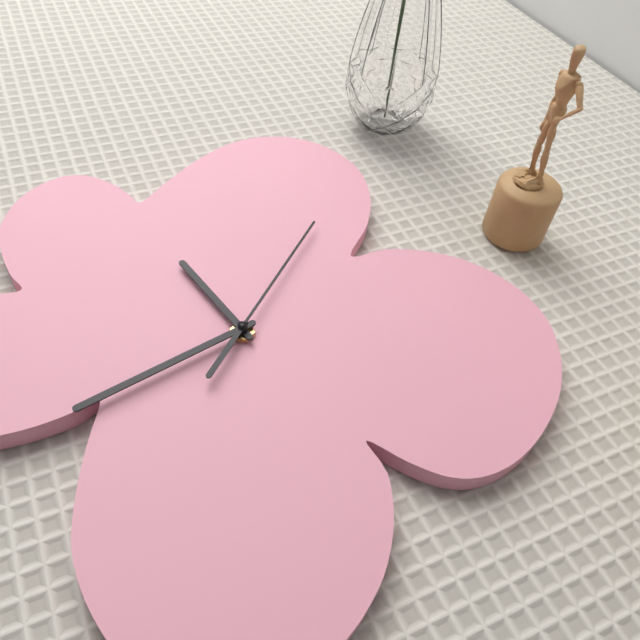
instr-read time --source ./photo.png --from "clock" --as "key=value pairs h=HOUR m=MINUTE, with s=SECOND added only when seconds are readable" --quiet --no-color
h=9 m=33 s=58
